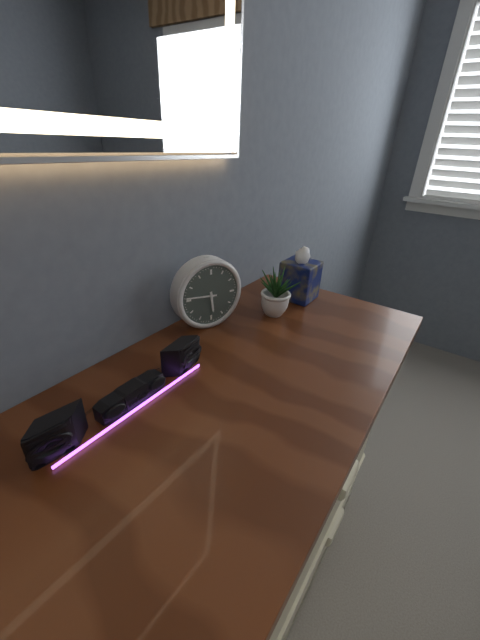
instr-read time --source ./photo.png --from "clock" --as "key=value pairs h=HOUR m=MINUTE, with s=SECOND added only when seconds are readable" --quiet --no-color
h=5 m=46
